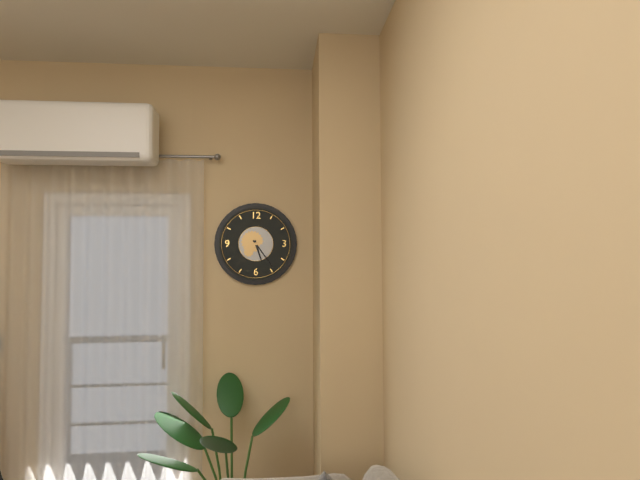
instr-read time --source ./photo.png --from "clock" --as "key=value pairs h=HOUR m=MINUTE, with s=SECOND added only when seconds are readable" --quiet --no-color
h=5 m=24
